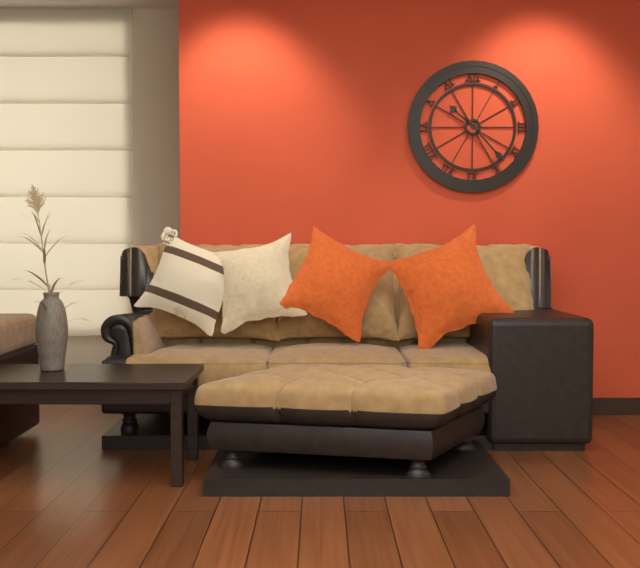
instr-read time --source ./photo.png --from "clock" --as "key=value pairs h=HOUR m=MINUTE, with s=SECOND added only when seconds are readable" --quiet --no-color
h=10 m=23
